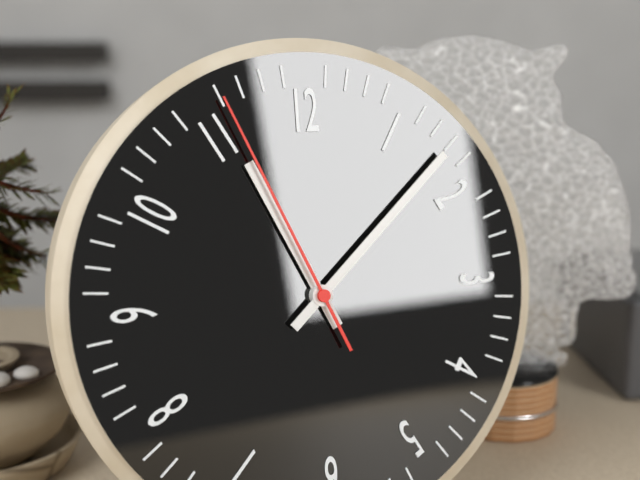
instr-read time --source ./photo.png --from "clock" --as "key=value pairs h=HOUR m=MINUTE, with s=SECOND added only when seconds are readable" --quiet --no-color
h=11 m=8 s=56
